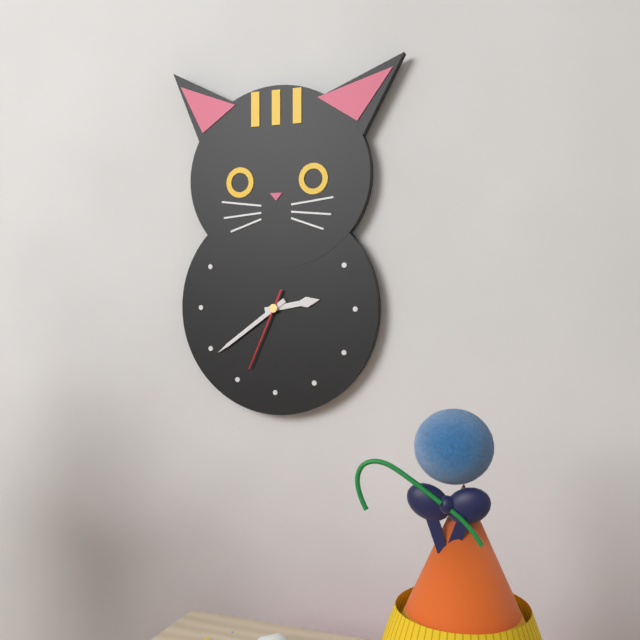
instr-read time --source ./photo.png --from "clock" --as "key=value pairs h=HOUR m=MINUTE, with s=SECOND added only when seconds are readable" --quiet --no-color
h=2 m=39 s=34
